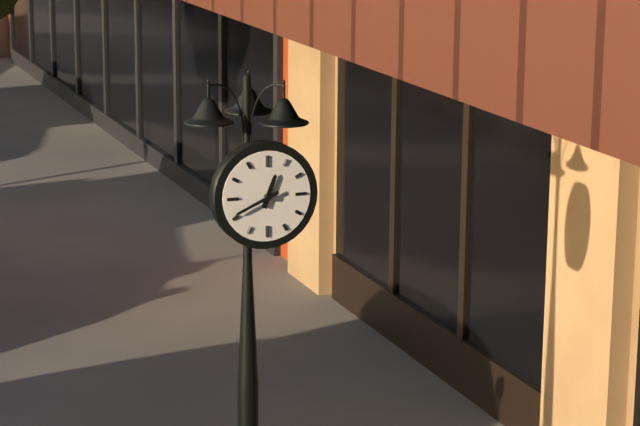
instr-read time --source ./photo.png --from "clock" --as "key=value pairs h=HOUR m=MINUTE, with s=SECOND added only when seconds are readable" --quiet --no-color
h=12 m=41
